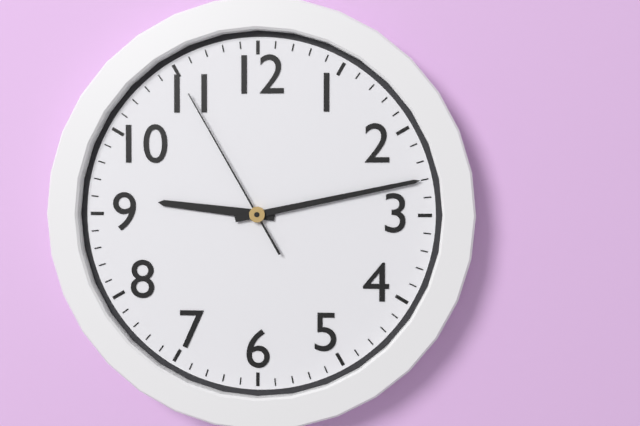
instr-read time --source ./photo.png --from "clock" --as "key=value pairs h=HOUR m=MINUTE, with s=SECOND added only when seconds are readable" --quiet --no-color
h=9 m=13 s=55
